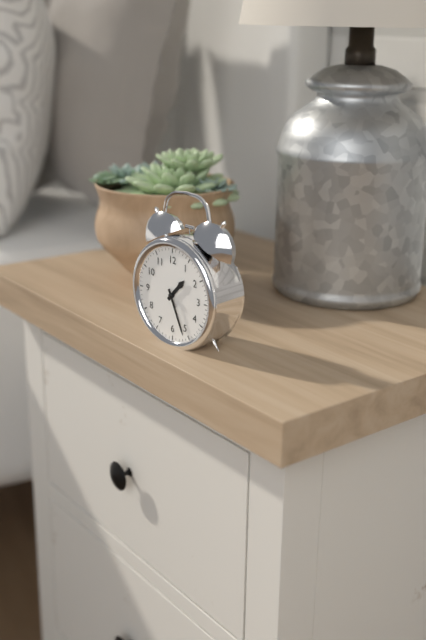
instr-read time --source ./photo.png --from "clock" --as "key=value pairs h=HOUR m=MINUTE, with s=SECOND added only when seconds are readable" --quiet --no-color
h=1 m=26
